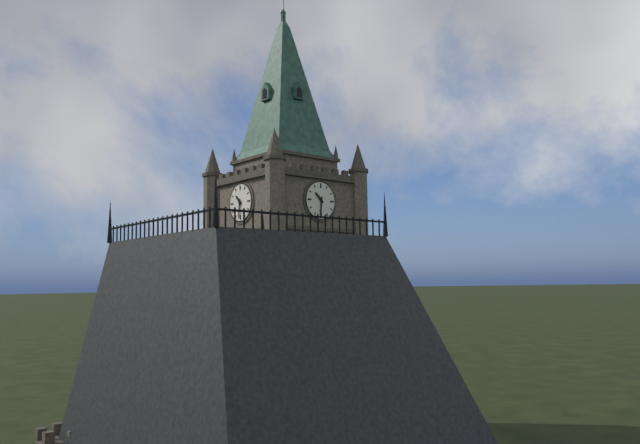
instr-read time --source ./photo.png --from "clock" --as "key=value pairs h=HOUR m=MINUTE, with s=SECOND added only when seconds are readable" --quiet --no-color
h=10 m=31
